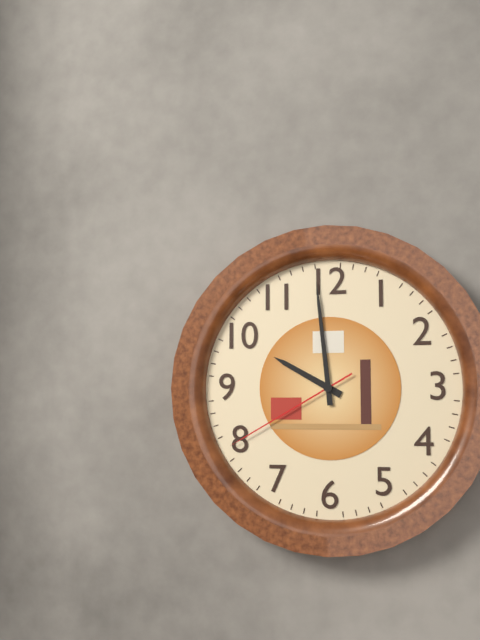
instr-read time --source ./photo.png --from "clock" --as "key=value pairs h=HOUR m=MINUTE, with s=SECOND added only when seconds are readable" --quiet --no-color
h=9 m=59 s=40
